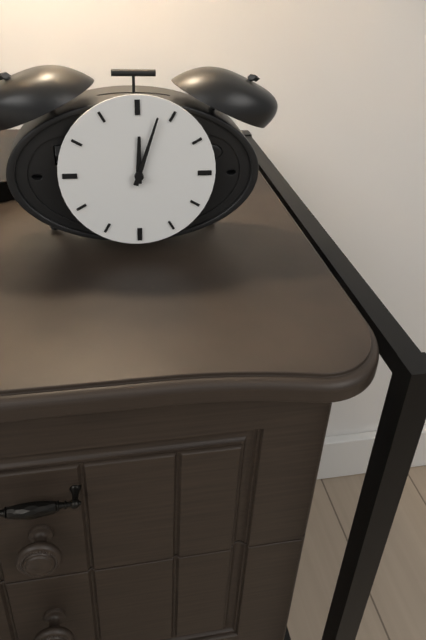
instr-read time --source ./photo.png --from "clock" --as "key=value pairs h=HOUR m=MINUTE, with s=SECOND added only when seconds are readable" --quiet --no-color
h=12 m=3
